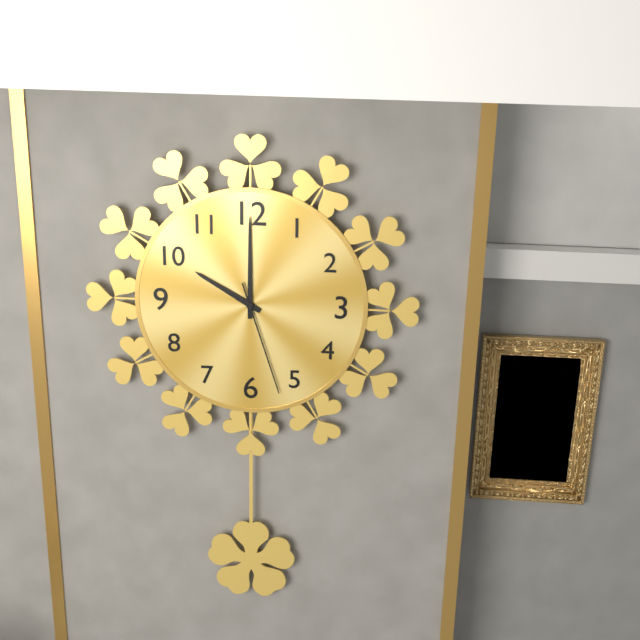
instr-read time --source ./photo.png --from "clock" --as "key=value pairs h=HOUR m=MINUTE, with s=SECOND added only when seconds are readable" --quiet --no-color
h=10 m=0 s=27
